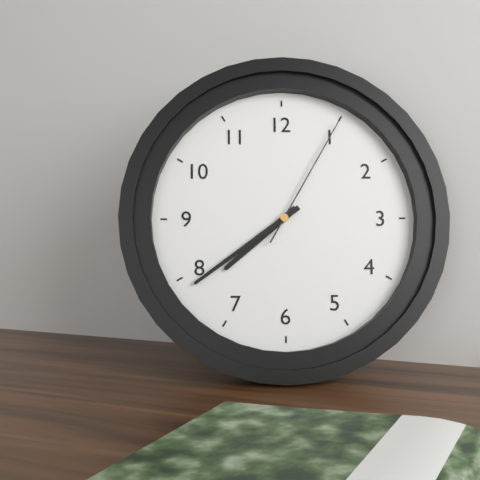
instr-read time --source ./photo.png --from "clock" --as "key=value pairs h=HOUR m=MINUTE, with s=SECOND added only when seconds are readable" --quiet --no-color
h=7 m=39 s=5
